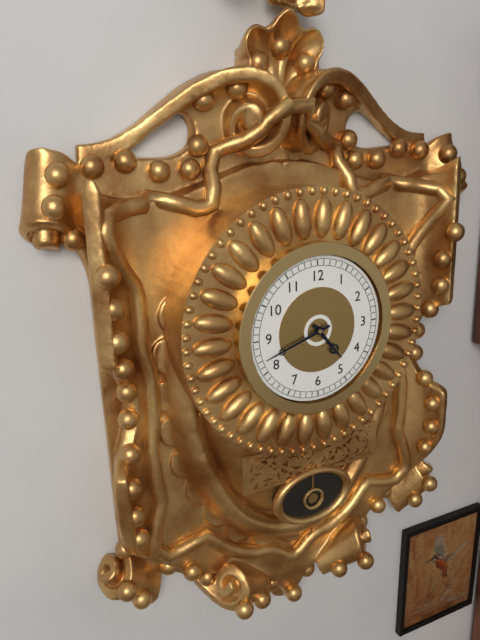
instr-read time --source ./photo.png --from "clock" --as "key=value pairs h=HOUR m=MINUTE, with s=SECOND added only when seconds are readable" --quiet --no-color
h=4 m=42
